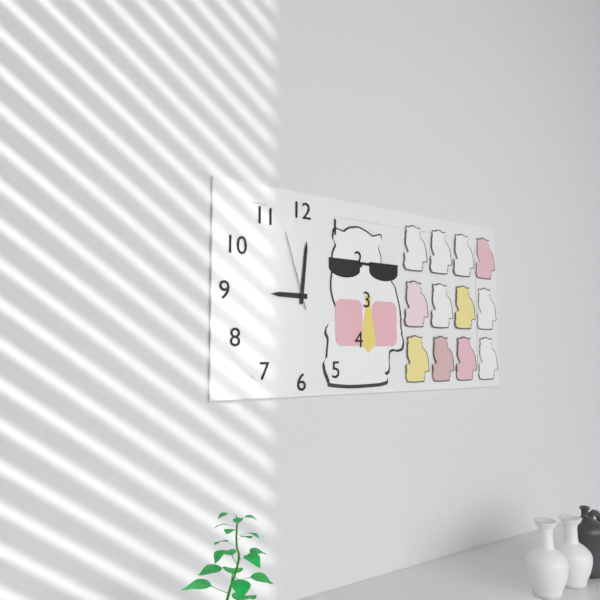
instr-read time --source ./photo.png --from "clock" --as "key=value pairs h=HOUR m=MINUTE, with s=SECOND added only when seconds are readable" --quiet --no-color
h=9 m=1 s=57
